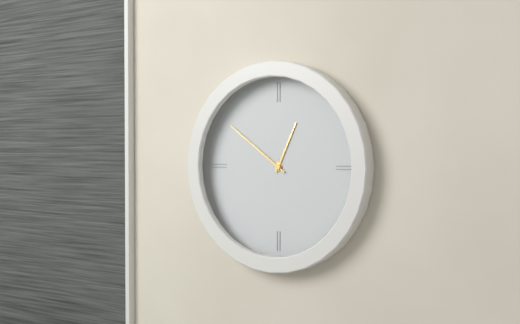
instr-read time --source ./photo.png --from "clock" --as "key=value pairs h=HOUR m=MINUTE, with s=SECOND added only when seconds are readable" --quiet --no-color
h=12 m=51
